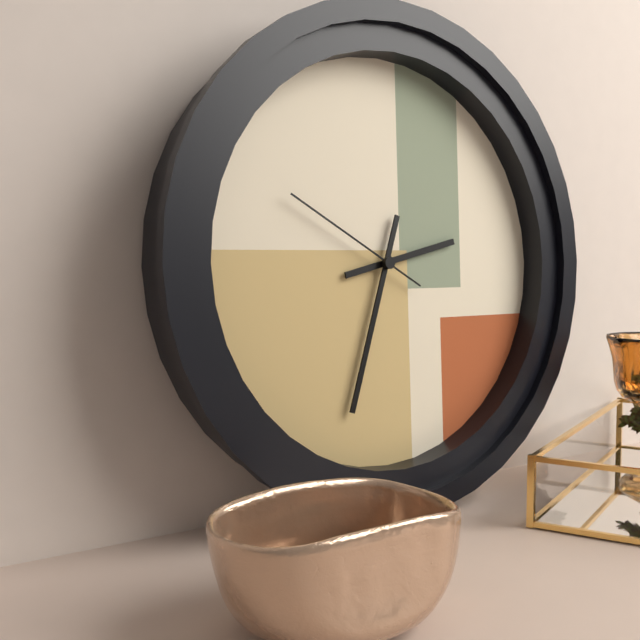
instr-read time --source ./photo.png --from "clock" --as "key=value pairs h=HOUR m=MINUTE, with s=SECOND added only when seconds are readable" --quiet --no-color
h=2 m=33 s=50
